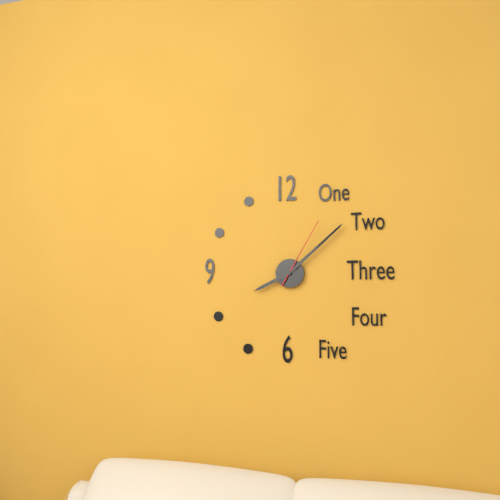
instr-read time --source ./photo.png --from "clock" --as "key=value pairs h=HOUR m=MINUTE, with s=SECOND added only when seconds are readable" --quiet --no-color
h=8 m=8 s=5
